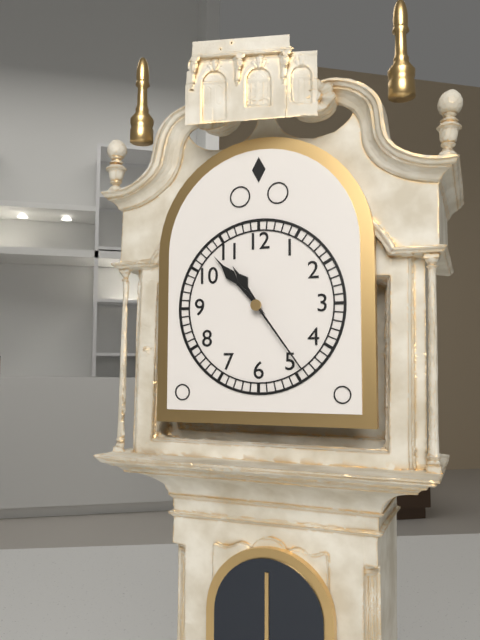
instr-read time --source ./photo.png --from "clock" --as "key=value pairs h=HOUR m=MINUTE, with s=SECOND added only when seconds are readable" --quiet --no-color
h=10 m=53 s=24
